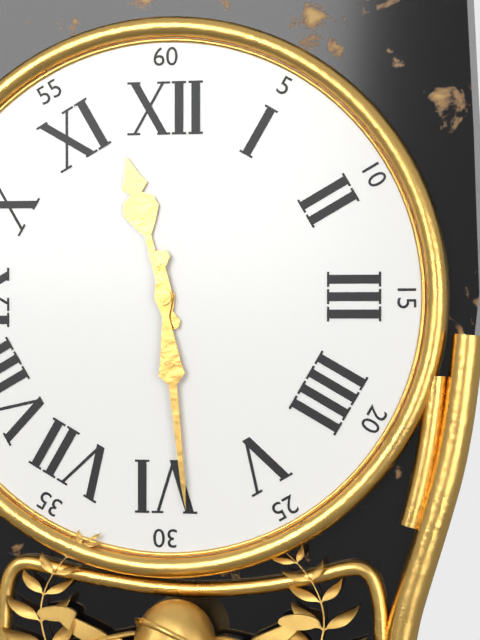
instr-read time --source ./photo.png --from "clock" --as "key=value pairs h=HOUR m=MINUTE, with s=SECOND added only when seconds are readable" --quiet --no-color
h=11 m=29
